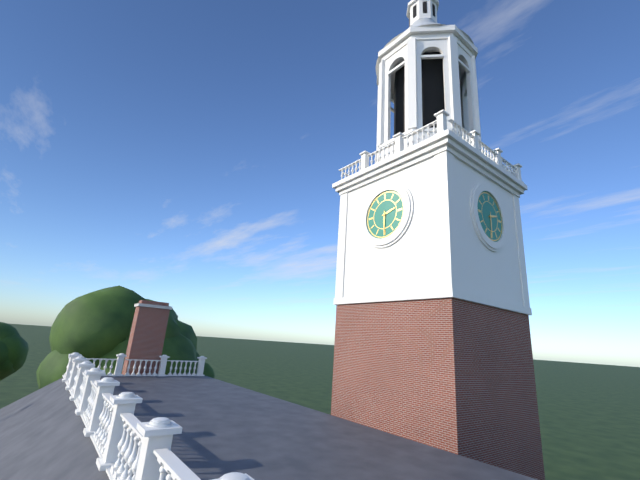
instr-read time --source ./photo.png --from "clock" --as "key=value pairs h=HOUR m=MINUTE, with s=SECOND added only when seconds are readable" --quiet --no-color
h=2 m=30
